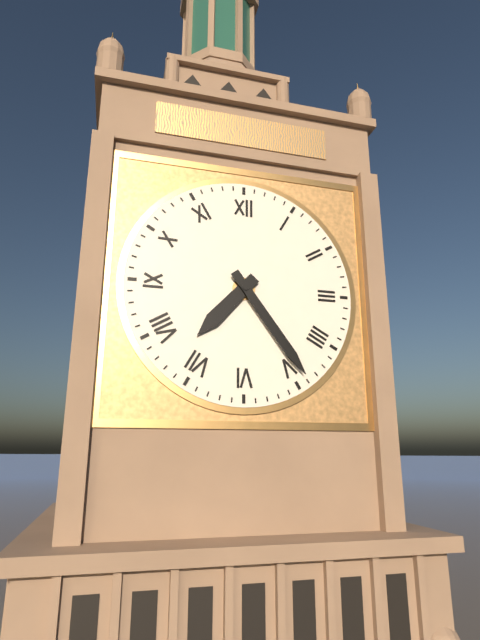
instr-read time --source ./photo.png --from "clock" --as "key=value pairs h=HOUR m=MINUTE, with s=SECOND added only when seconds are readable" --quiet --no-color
h=7 m=24
